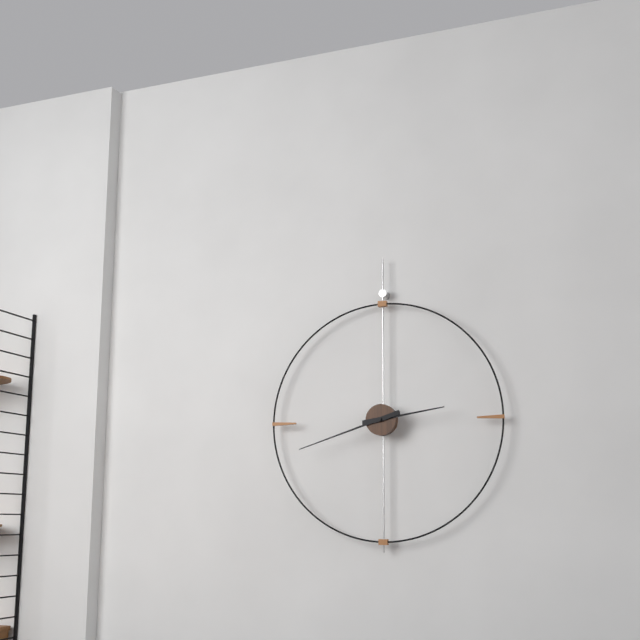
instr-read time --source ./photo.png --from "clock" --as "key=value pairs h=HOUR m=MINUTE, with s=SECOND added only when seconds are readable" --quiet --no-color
h=2 m=42
